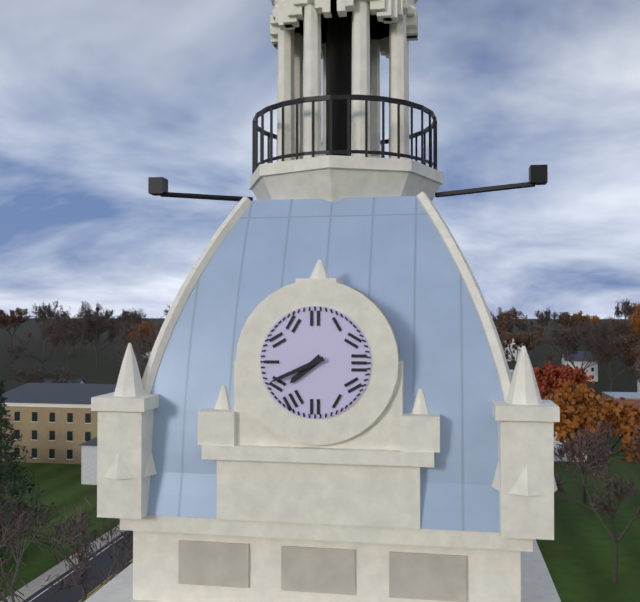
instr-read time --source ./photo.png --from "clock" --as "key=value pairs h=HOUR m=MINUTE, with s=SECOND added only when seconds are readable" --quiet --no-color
h=7 m=41
